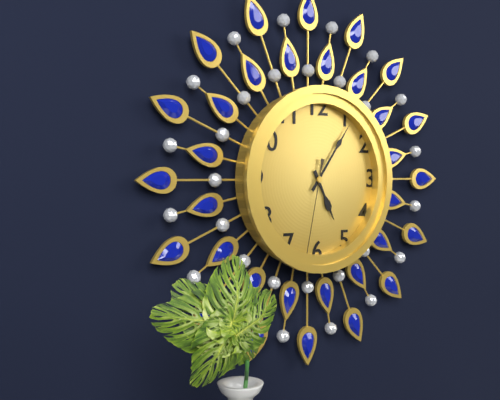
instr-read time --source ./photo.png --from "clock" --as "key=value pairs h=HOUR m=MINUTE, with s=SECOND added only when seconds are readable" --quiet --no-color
h=5 m=6 s=32
